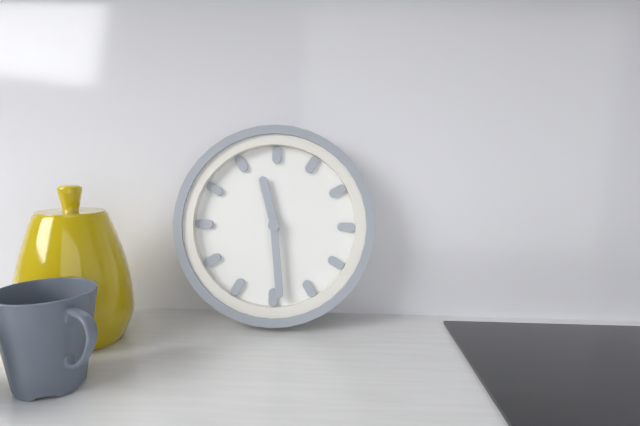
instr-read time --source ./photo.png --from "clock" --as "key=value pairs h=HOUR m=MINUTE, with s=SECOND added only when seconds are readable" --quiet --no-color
h=11 m=29
